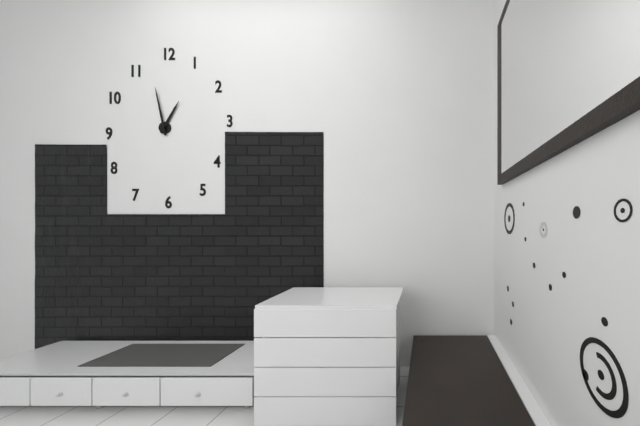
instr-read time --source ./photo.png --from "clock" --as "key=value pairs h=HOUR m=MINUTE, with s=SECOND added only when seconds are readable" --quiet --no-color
h=12 m=58
